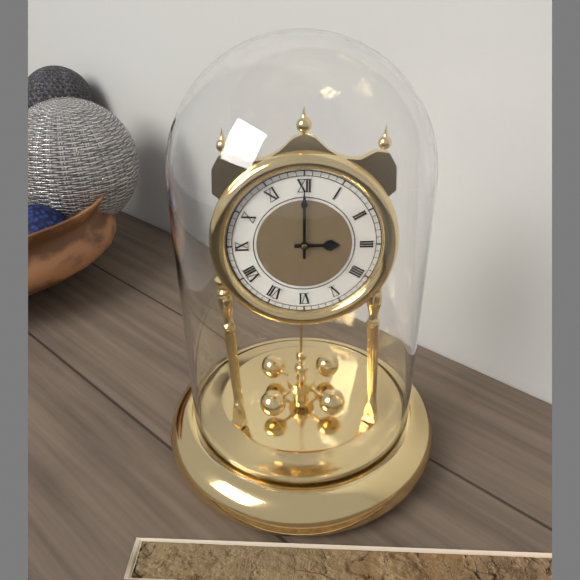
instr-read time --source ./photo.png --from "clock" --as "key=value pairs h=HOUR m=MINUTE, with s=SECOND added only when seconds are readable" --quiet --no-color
h=3 m=0
